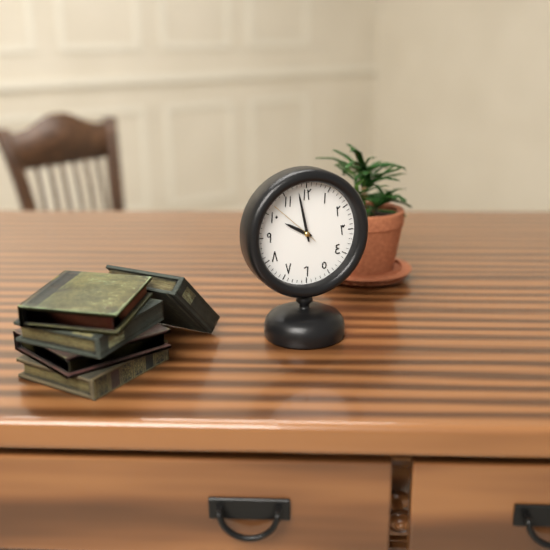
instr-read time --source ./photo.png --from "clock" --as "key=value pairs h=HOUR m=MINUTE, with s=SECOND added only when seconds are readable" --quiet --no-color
h=9 m=58 s=52
